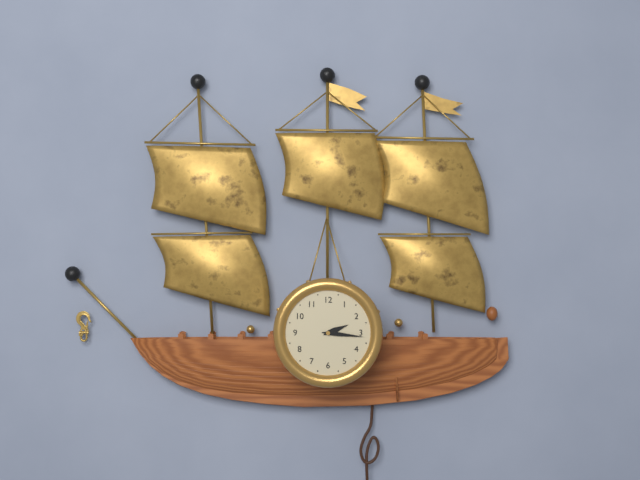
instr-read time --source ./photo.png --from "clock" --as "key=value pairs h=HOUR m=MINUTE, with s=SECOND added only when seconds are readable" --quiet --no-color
h=2 m=16
